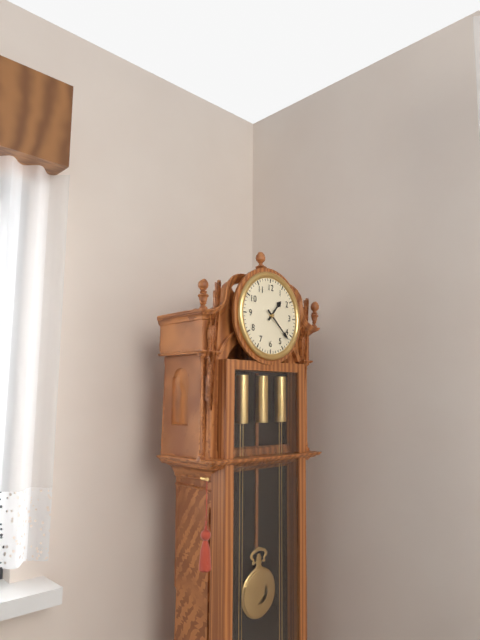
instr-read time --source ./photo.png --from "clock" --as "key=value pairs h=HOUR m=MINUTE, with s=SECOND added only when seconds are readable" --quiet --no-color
h=1 m=22
